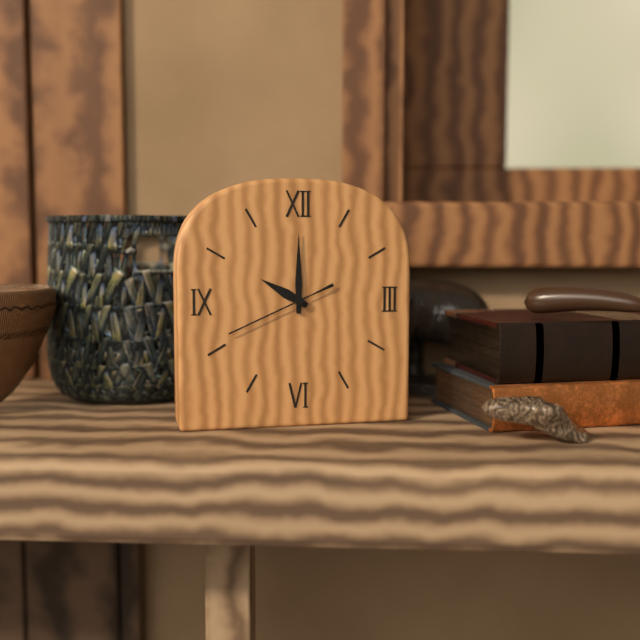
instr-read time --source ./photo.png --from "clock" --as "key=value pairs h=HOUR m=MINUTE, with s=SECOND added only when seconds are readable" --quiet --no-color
h=10 m=0 s=41
